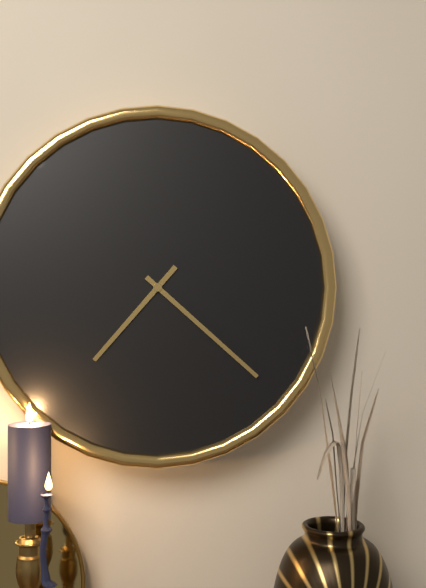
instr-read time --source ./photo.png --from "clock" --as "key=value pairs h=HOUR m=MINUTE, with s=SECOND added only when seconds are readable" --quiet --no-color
h=7 m=22
